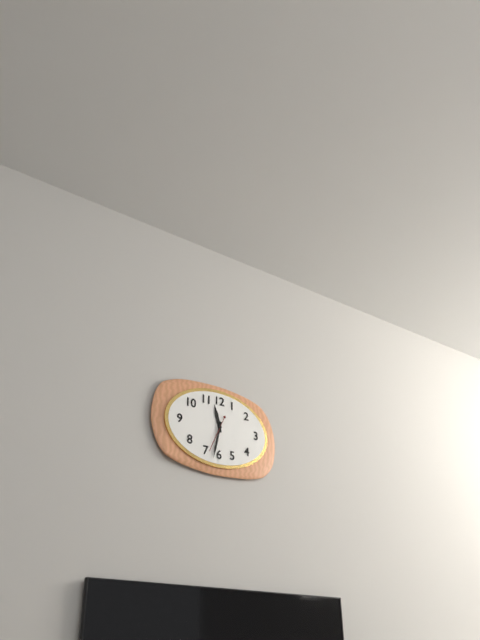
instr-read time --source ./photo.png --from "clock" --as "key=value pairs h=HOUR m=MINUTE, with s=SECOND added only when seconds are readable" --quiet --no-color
h=11 m=32
